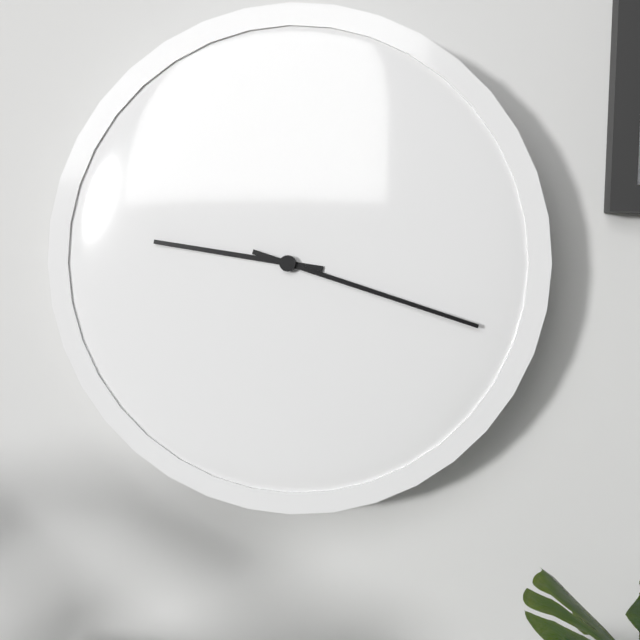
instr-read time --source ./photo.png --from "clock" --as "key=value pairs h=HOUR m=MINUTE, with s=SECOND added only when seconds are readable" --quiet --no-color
h=9 m=18
